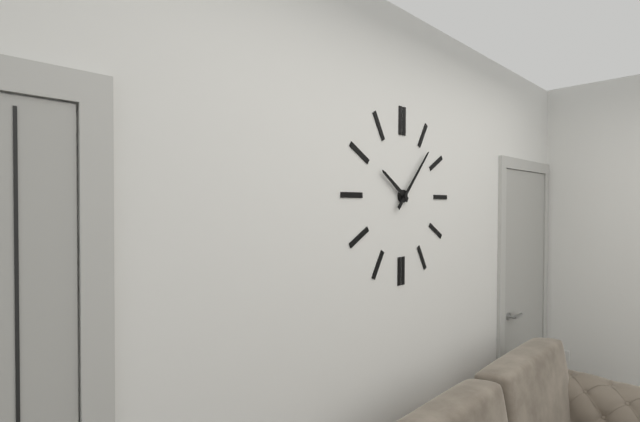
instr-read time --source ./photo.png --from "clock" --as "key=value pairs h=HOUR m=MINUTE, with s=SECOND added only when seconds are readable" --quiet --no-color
h=10 m=7
